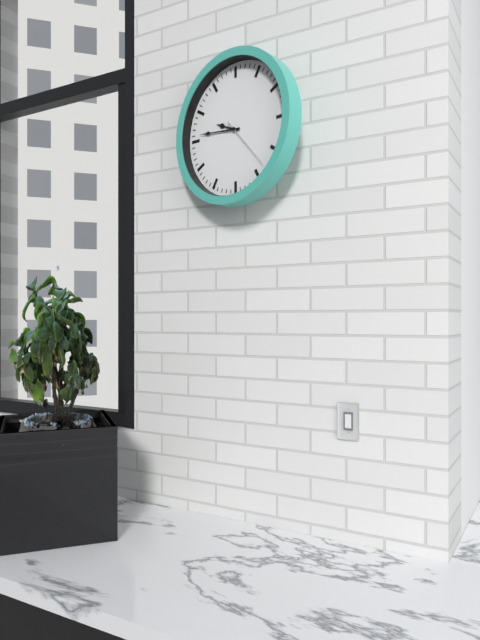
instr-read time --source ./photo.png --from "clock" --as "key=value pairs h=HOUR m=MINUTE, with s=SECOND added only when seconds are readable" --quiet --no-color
h=9 m=46 s=23
